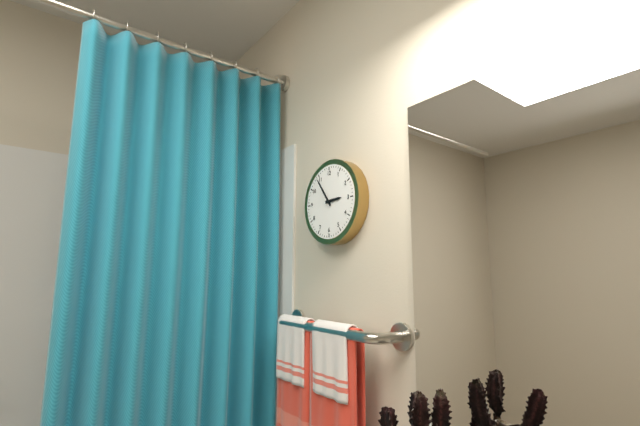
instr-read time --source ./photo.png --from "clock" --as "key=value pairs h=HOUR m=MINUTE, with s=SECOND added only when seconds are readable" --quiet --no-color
h=2 m=54
